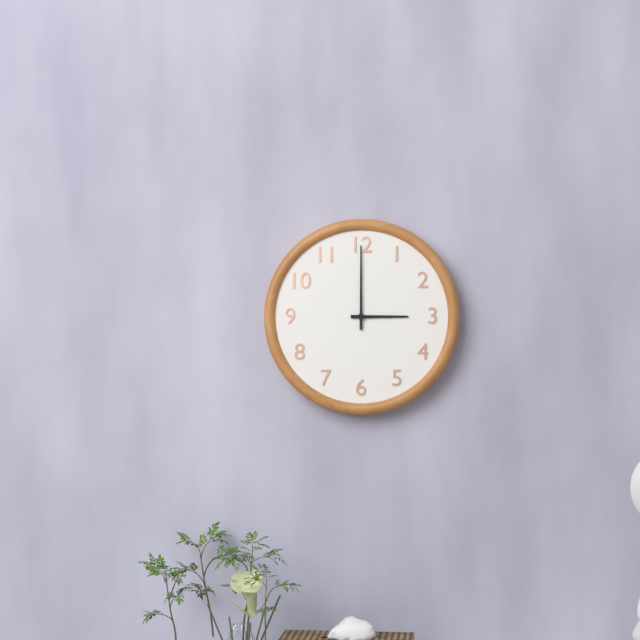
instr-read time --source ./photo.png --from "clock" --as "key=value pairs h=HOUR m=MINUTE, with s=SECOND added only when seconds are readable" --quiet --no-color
h=3 m=0
